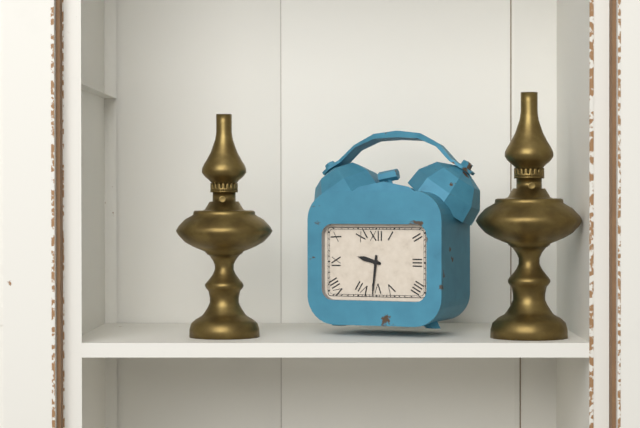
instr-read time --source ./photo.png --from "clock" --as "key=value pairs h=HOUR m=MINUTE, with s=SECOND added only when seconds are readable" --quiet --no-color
h=9 m=31
